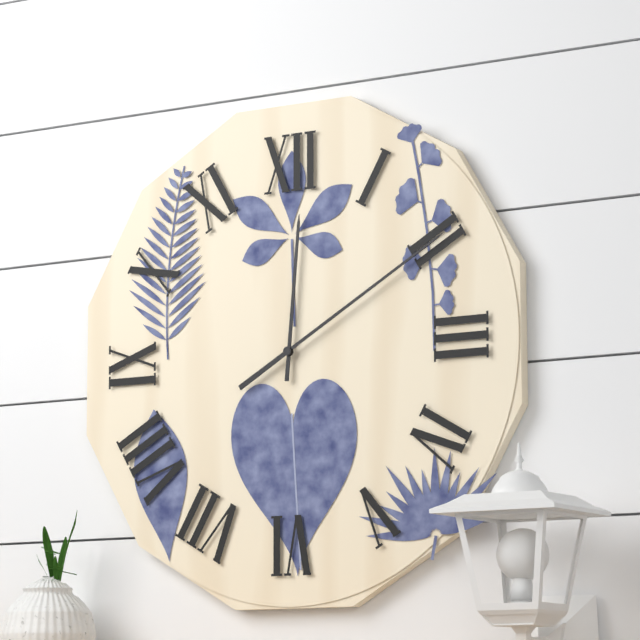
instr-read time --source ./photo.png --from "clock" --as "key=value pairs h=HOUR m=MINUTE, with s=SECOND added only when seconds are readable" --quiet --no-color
h=12 m=10
